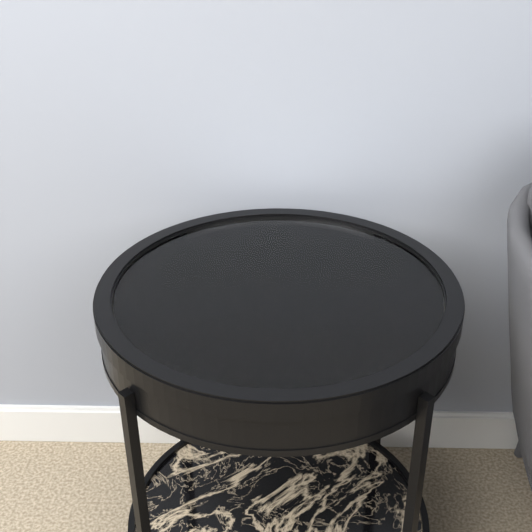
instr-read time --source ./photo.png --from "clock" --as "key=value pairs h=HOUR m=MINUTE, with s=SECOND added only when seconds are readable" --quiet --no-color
h=5 m=6
